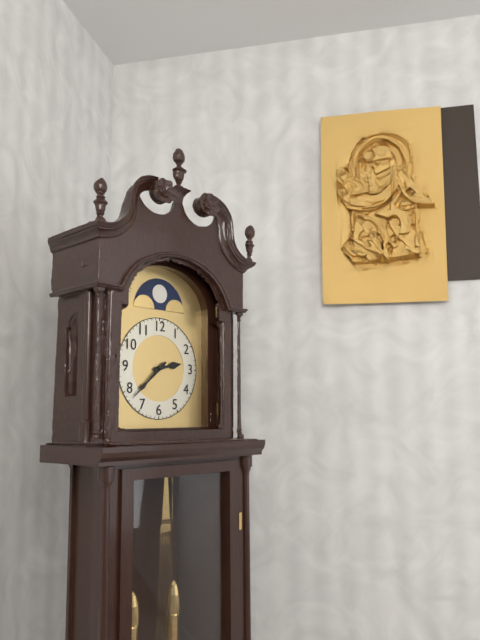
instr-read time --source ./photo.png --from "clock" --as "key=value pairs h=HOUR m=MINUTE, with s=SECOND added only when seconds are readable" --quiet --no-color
h=2 m=38
